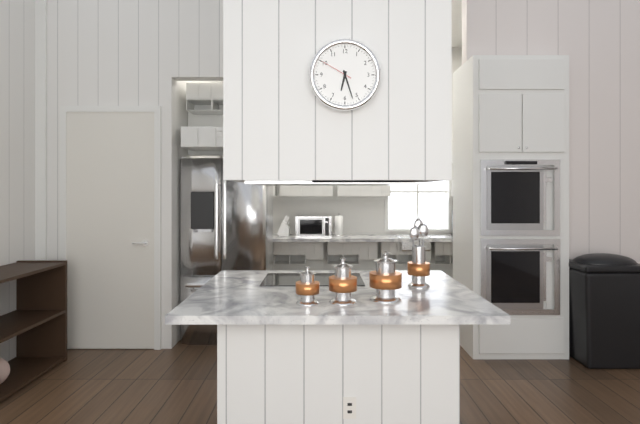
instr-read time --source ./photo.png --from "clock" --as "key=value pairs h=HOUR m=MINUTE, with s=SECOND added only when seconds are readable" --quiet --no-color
h=6 m=27
